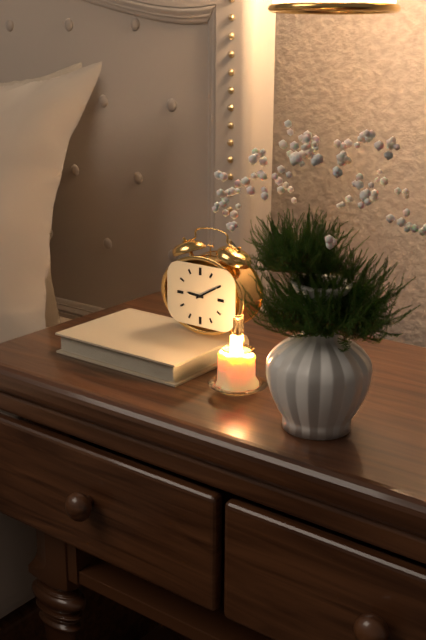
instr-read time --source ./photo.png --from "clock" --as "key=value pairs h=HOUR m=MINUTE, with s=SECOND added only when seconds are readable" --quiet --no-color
h=9 m=10
